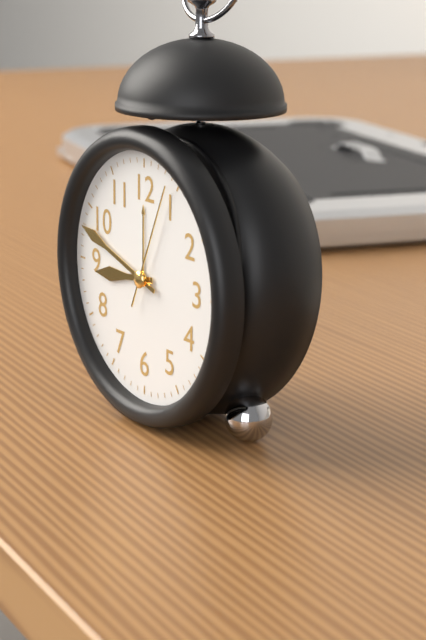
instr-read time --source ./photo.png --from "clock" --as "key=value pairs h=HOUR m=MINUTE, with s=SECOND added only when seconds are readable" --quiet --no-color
h=8 m=48 s=4
